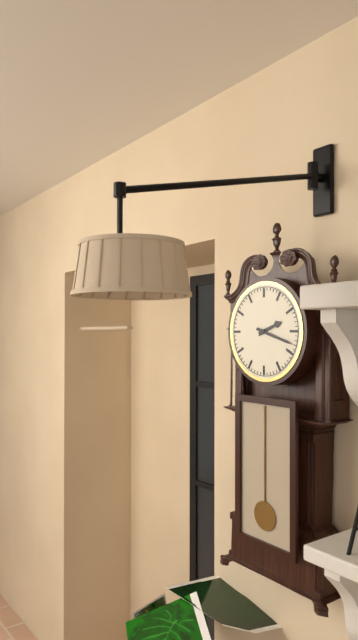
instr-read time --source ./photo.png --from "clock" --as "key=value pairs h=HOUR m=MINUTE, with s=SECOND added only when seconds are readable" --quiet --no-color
h=2 m=18
